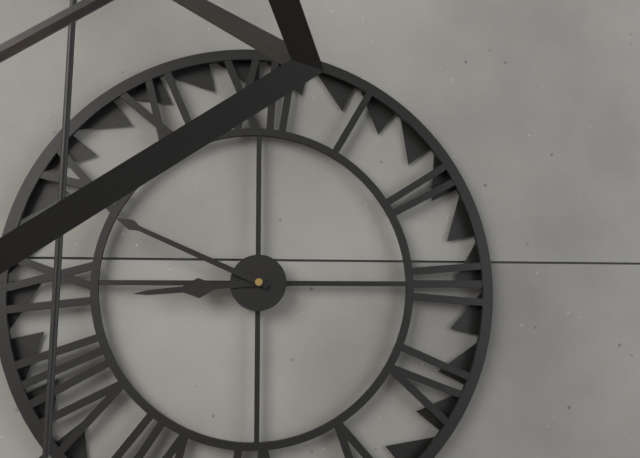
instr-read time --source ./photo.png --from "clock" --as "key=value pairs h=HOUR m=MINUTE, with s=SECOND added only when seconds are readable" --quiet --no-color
h=8 m=49
